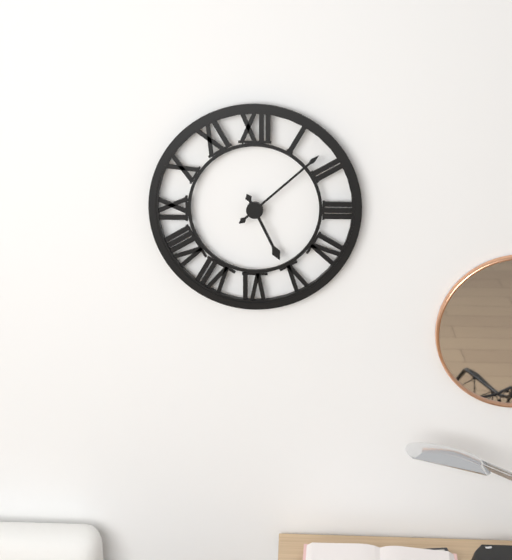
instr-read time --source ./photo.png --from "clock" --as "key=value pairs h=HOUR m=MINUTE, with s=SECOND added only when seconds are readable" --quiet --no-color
h=5 m=8
